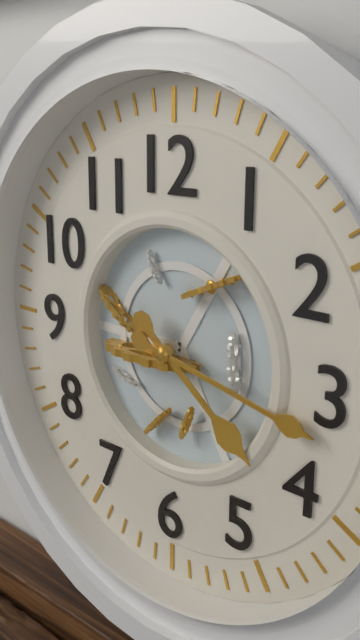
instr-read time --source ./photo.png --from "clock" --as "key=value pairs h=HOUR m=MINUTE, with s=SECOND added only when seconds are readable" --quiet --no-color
h=4 m=17
